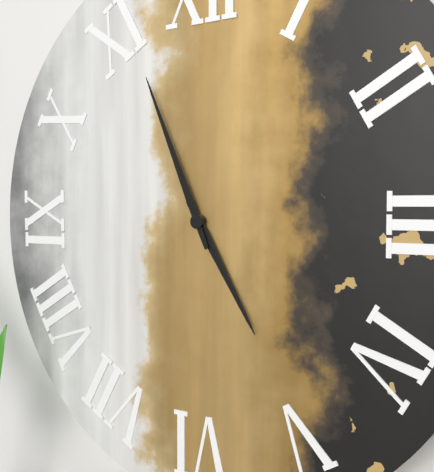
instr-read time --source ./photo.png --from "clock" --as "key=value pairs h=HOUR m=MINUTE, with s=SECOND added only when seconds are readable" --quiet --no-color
h=4 m=56
